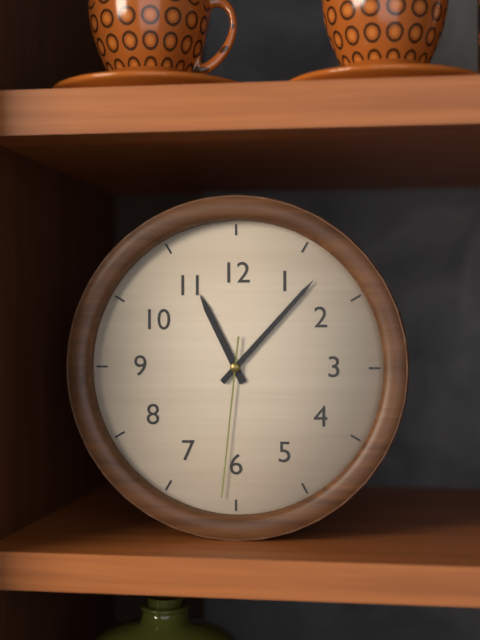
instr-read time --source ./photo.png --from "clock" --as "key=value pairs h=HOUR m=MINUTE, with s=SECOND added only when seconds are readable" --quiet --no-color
h=11 m=7 s=31
